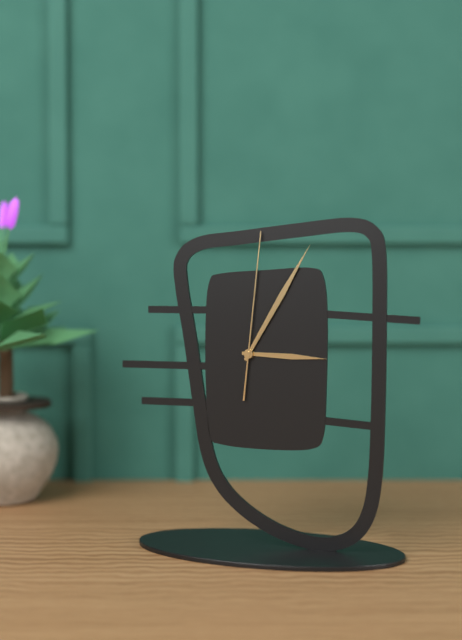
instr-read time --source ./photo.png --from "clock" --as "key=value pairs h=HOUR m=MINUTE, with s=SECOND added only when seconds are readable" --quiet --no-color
h=3 m=5 s=1
